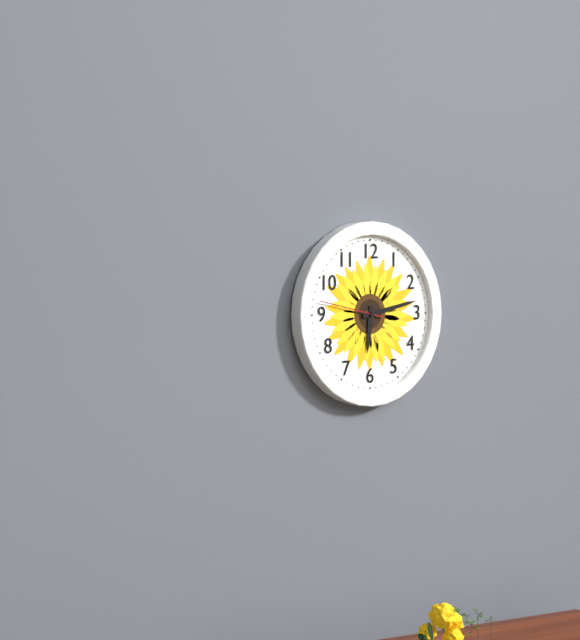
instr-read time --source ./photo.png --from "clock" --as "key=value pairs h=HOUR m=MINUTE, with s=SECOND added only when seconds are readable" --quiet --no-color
h=6 m=13 s=47
